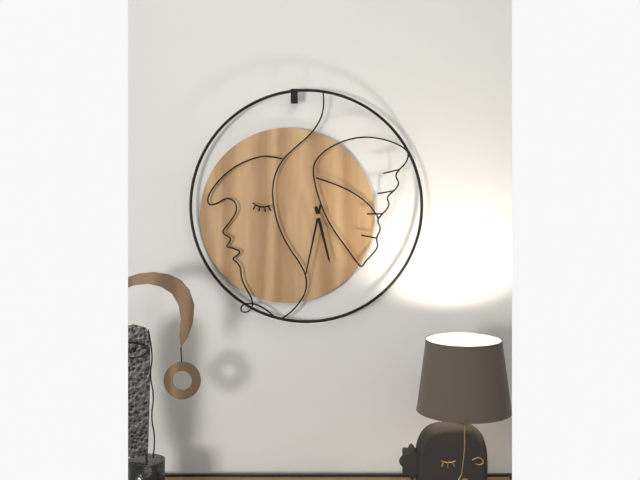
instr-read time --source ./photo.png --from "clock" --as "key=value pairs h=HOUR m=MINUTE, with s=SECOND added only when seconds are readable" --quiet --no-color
h=5 m=32
